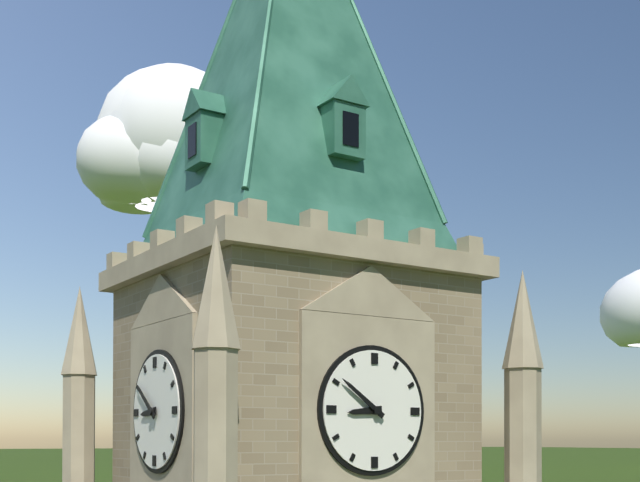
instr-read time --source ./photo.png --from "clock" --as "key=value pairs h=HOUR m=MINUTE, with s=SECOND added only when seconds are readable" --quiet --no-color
h=8 m=51
